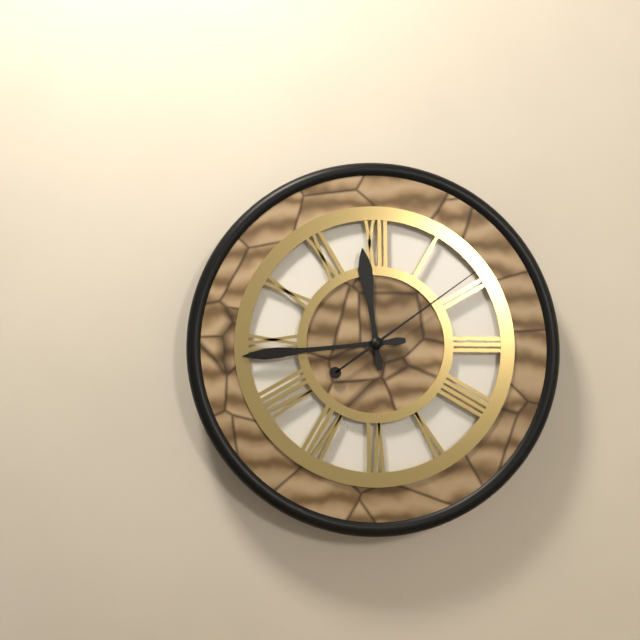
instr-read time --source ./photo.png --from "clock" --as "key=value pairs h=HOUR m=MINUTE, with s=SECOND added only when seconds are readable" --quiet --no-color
h=11 m=44 s=9
